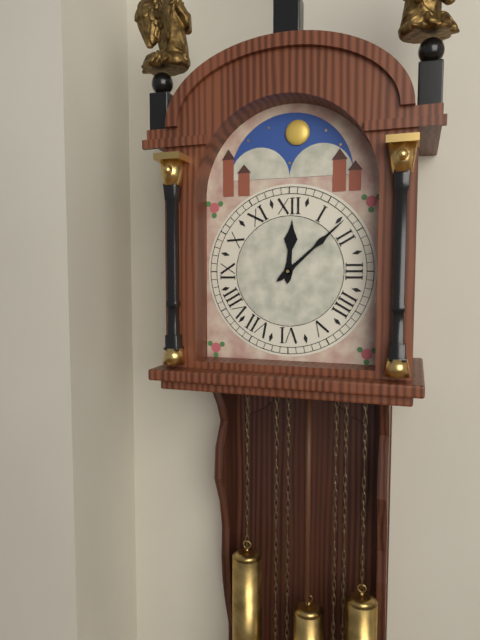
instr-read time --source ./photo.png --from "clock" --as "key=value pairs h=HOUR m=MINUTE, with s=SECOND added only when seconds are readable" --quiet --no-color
h=12 m=8
